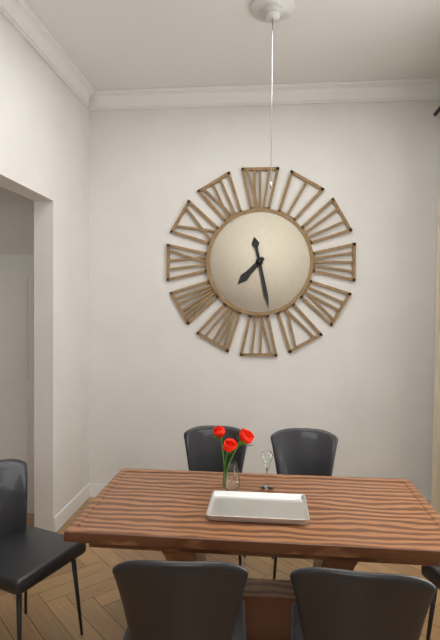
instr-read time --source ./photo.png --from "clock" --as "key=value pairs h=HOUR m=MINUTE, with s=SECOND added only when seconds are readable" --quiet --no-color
h=7 m=28
